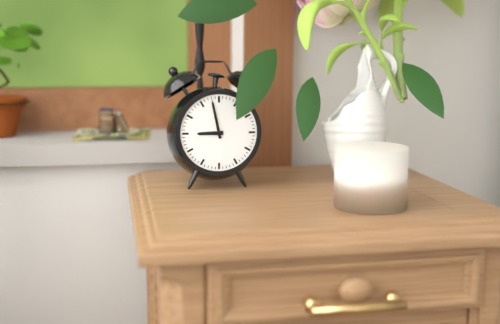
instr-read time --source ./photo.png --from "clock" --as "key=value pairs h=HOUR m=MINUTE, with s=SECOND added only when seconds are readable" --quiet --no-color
h=8 m=58
